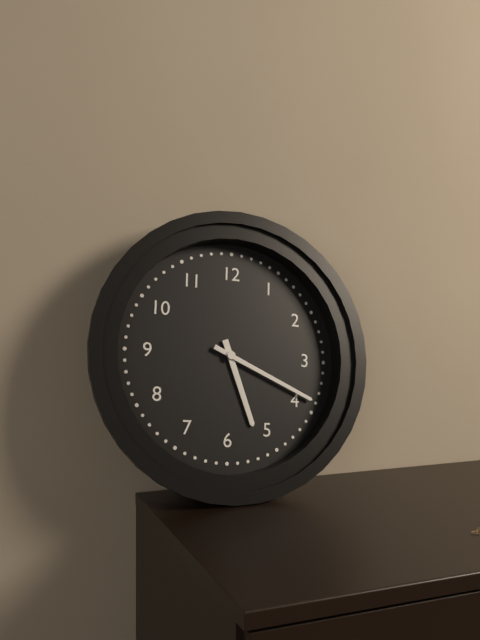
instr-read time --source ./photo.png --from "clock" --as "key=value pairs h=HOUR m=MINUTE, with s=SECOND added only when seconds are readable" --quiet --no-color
h=5 m=19
